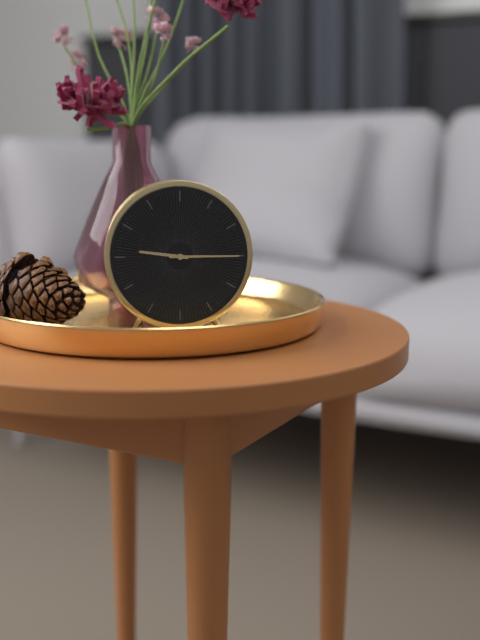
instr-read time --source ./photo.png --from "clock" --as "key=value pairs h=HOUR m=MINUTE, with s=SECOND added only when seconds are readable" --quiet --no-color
h=9 m=15
